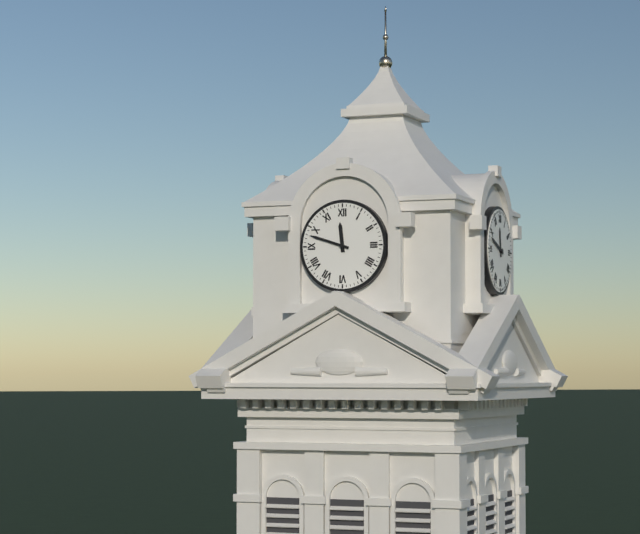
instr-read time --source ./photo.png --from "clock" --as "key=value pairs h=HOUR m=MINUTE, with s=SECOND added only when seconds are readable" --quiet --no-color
h=11 m=48
